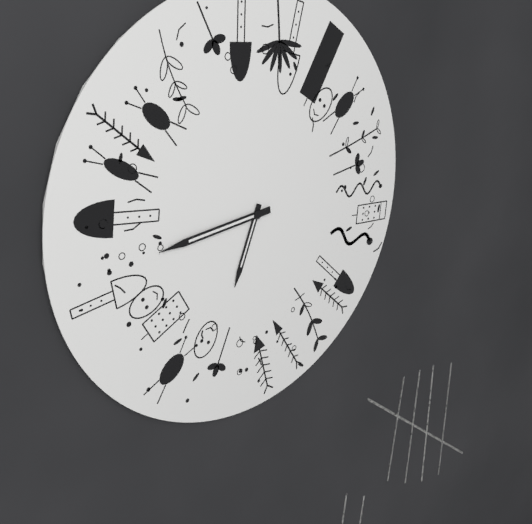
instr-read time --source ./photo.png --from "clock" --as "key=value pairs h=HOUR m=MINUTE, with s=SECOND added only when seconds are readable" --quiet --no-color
h=6 m=44
